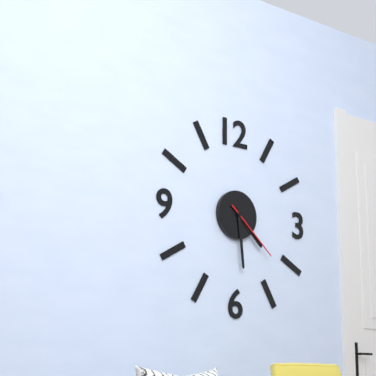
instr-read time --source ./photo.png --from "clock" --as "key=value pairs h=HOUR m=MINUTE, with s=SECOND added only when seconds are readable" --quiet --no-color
h=4 m=29 s=22
